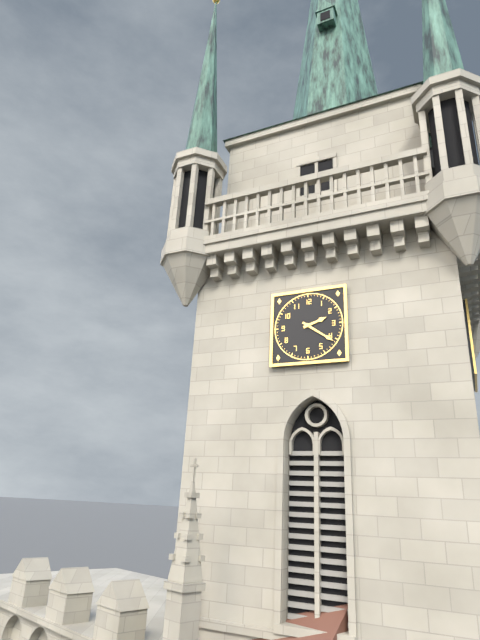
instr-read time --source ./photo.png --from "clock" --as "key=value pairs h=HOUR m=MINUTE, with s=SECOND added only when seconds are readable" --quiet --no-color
h=2 m=21
